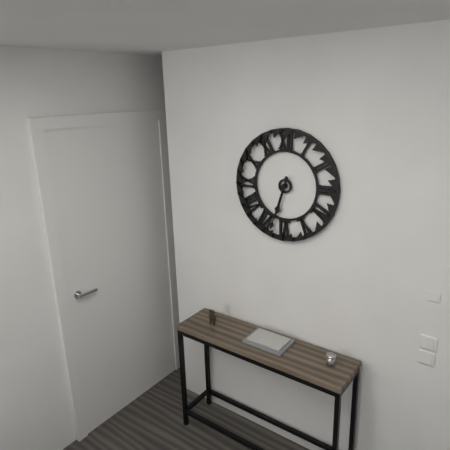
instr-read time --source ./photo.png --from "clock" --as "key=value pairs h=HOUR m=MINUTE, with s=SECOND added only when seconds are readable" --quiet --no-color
h=6 m=33
